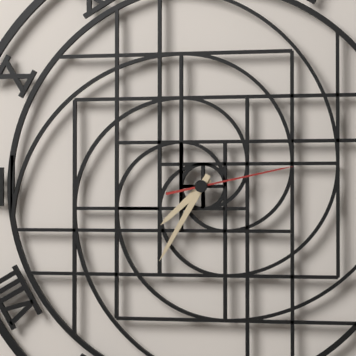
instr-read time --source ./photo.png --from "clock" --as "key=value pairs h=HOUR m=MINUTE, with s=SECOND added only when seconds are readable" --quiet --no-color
h=7 m=35 s=13
